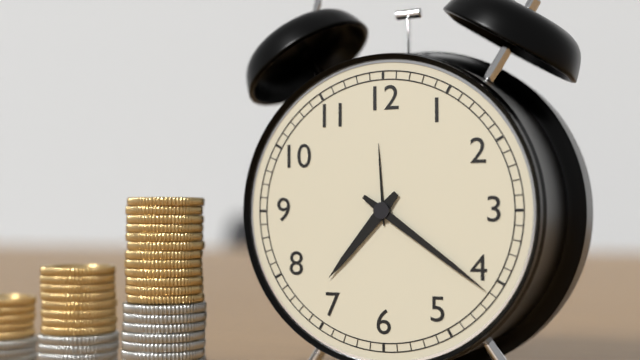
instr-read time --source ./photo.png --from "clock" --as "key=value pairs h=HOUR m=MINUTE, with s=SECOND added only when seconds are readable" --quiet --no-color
h=7 m=21
